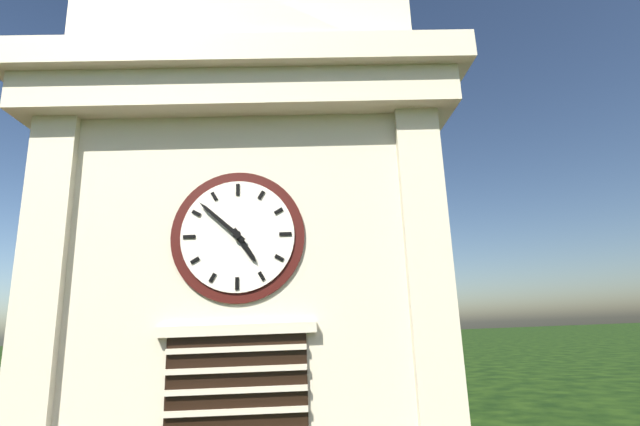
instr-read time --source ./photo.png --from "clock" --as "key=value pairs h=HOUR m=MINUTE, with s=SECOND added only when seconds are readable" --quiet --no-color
h=4 m=52
